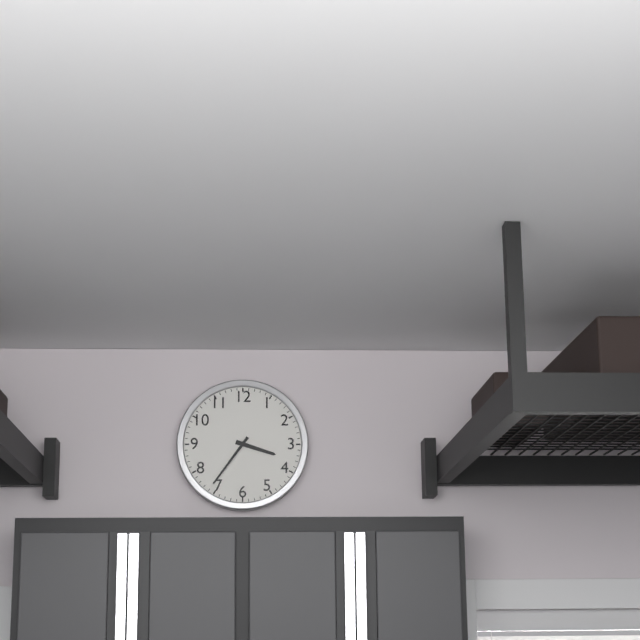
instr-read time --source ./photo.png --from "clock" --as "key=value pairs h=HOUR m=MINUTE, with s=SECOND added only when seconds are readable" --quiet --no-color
h=3 m=36
